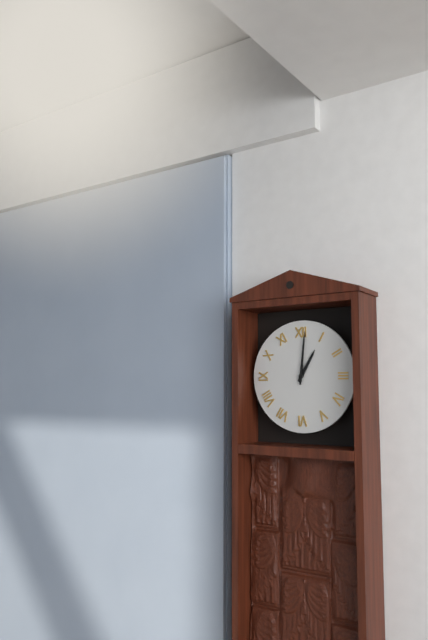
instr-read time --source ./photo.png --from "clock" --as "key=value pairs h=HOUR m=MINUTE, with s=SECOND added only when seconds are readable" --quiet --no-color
h=1 m=1
